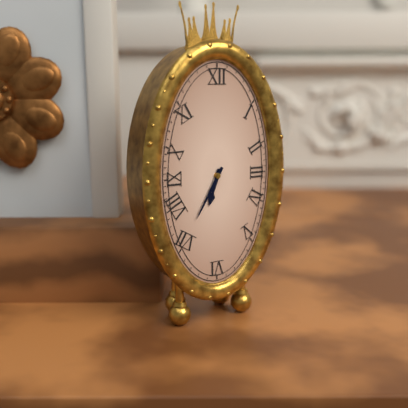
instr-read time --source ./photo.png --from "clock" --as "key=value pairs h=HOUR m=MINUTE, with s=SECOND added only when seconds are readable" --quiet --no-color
h=6 m=35
